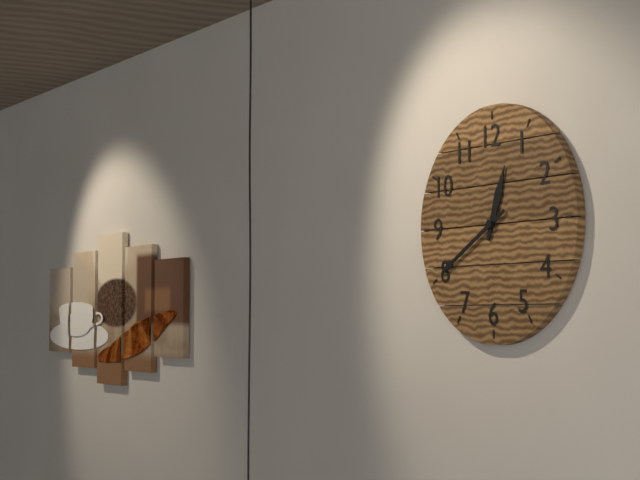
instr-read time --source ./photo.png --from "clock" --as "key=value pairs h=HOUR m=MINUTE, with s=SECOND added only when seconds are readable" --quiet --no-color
h=12 m=40
